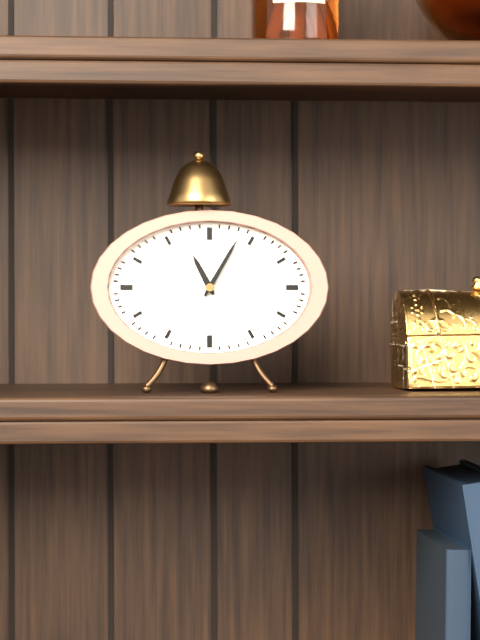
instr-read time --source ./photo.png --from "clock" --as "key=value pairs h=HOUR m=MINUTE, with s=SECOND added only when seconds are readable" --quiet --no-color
h=11 m=5
